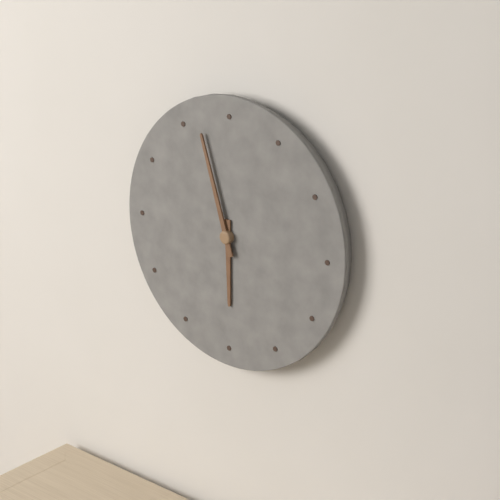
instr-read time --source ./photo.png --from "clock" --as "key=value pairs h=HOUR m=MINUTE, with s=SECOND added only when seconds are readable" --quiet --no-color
h=5 m=57
